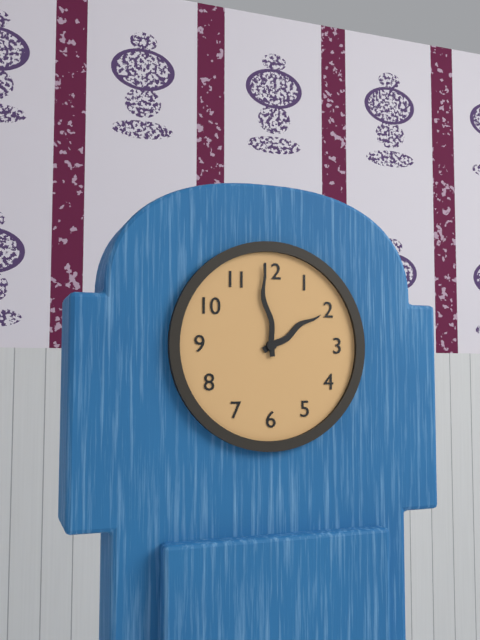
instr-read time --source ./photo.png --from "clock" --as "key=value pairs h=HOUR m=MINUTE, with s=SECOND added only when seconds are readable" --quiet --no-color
h=1 m=59
